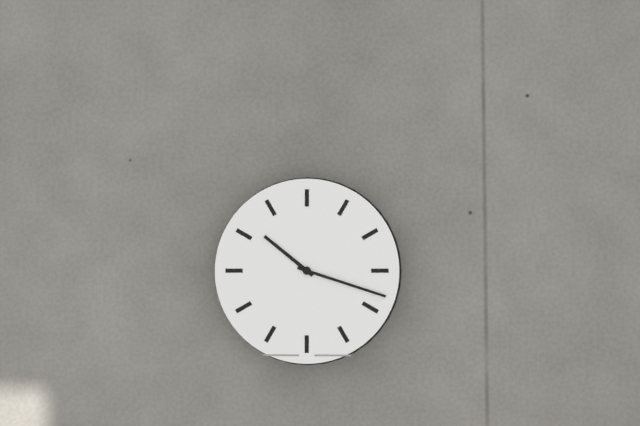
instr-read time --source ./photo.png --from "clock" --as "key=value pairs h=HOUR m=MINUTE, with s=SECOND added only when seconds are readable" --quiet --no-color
h=10 m=18
